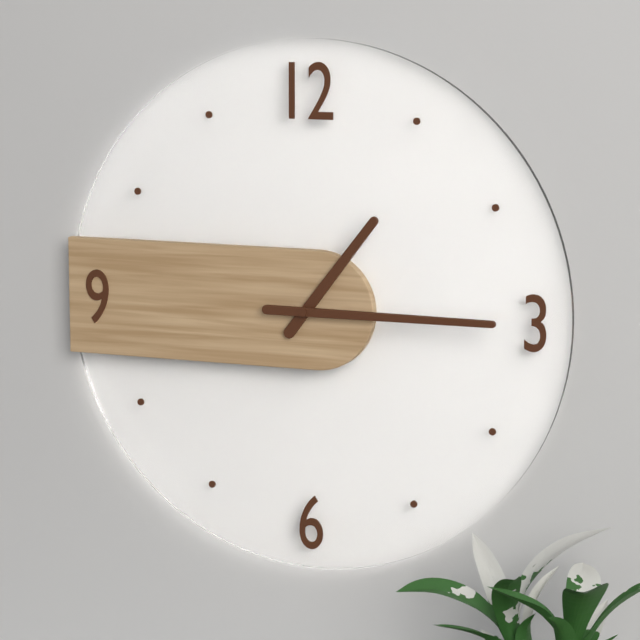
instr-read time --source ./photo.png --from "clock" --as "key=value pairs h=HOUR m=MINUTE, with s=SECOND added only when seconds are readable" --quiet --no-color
h=1 m=15
